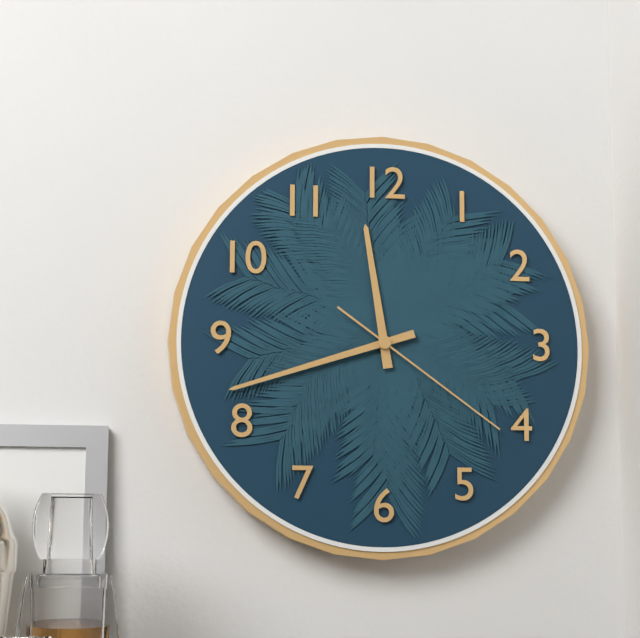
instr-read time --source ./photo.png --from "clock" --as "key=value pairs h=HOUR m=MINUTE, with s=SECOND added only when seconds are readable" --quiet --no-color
h=11 m=42 s=21
